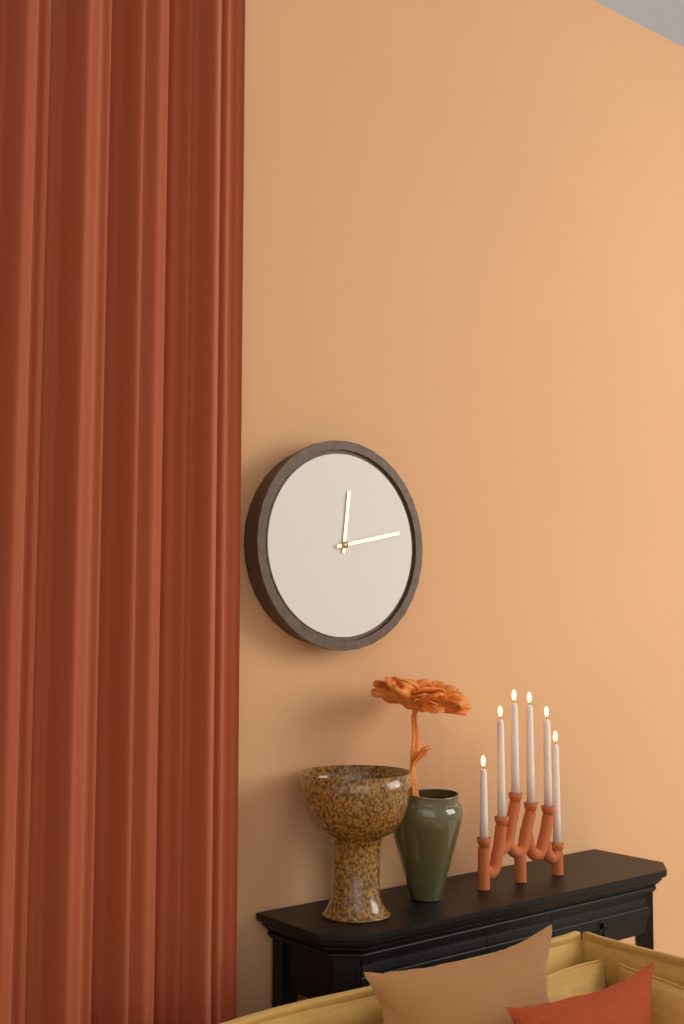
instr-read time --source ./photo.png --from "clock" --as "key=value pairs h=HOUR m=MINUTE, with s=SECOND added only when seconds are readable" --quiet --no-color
h=12 m=13
